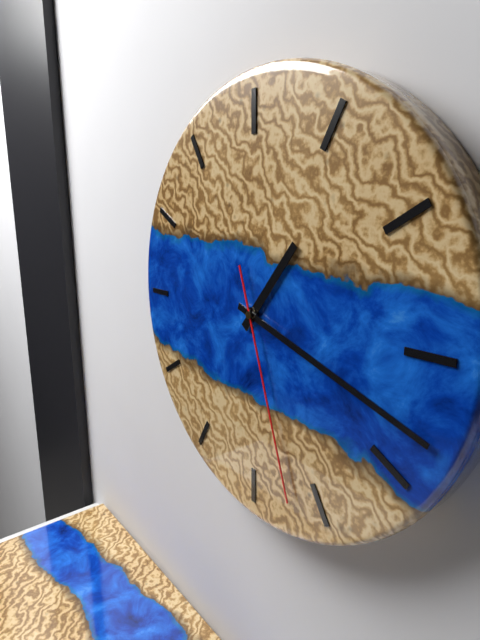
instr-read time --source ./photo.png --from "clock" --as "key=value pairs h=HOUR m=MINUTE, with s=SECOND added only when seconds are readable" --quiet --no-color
h=1 m=18 s=27
